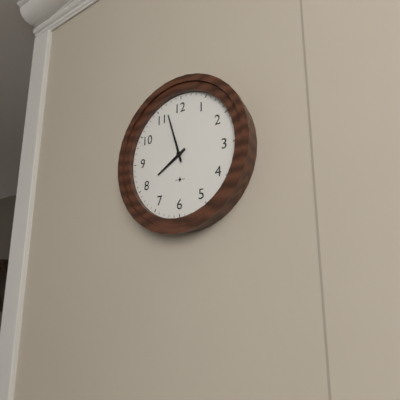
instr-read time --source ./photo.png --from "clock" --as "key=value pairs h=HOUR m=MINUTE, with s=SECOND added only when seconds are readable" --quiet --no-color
h=7 m=57
